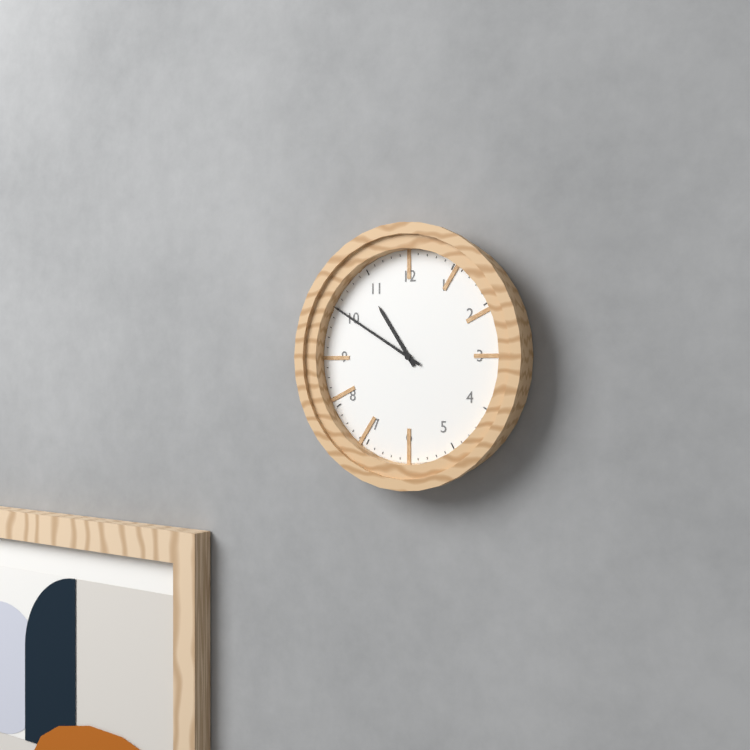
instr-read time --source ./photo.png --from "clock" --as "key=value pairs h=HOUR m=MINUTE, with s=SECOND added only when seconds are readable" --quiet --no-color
h=10 m=50
